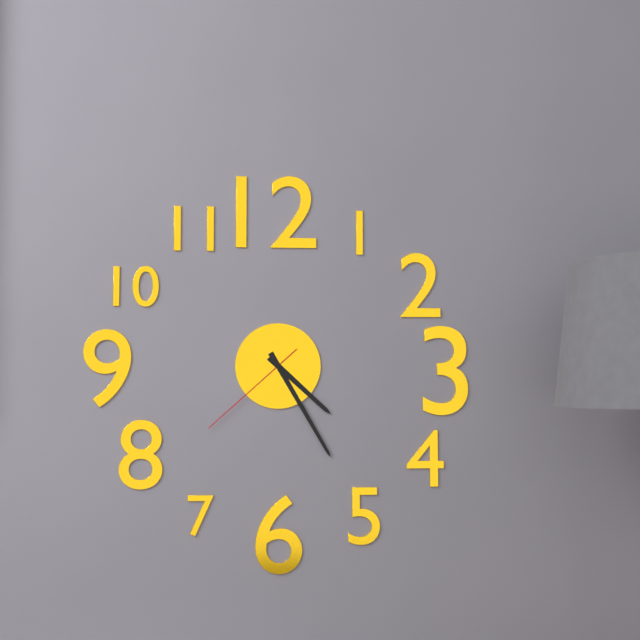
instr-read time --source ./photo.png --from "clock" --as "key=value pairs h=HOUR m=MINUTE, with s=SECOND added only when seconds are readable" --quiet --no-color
h=4 m=25 s=38
